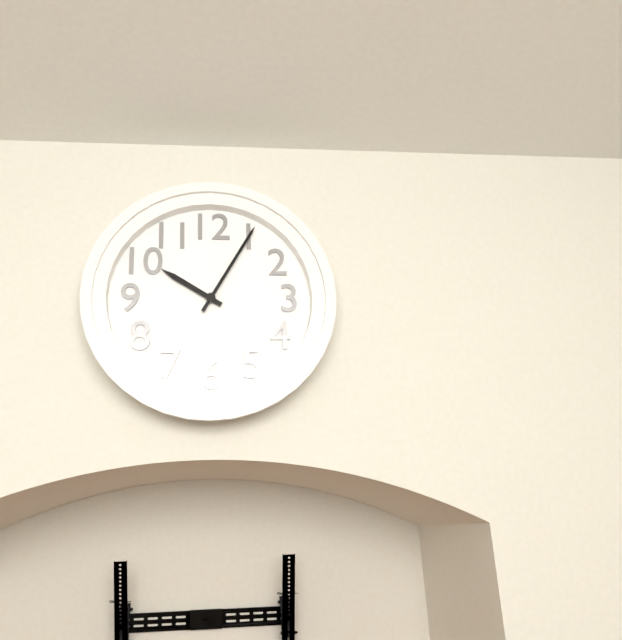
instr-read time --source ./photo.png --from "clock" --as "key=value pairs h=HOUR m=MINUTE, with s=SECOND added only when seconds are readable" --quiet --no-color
h=10 m=5
